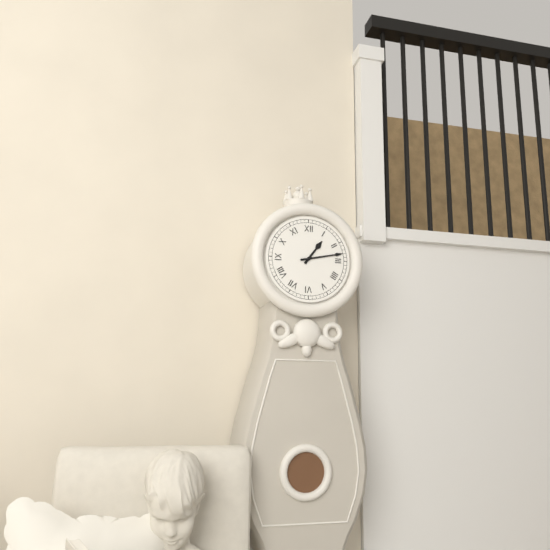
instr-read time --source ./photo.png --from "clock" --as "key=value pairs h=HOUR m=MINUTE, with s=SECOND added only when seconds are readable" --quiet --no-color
h=1 m=13
